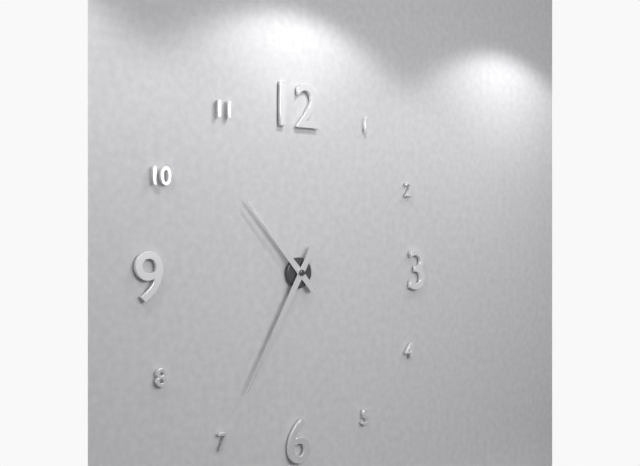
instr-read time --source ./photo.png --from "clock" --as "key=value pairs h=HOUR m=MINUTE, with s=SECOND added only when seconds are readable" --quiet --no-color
h=10 m=35
